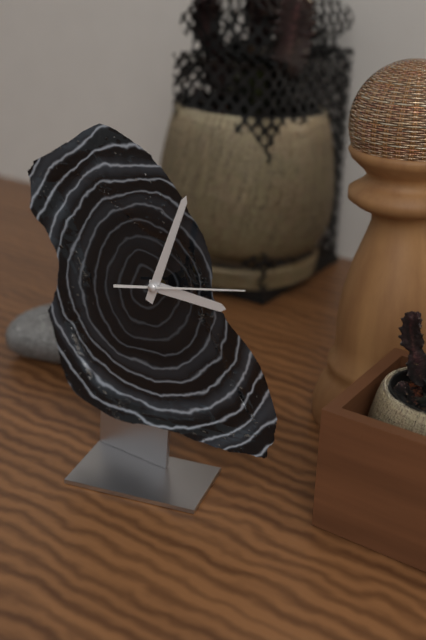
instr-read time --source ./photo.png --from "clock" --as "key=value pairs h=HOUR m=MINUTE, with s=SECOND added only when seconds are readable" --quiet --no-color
h=3 m=3 s=13
